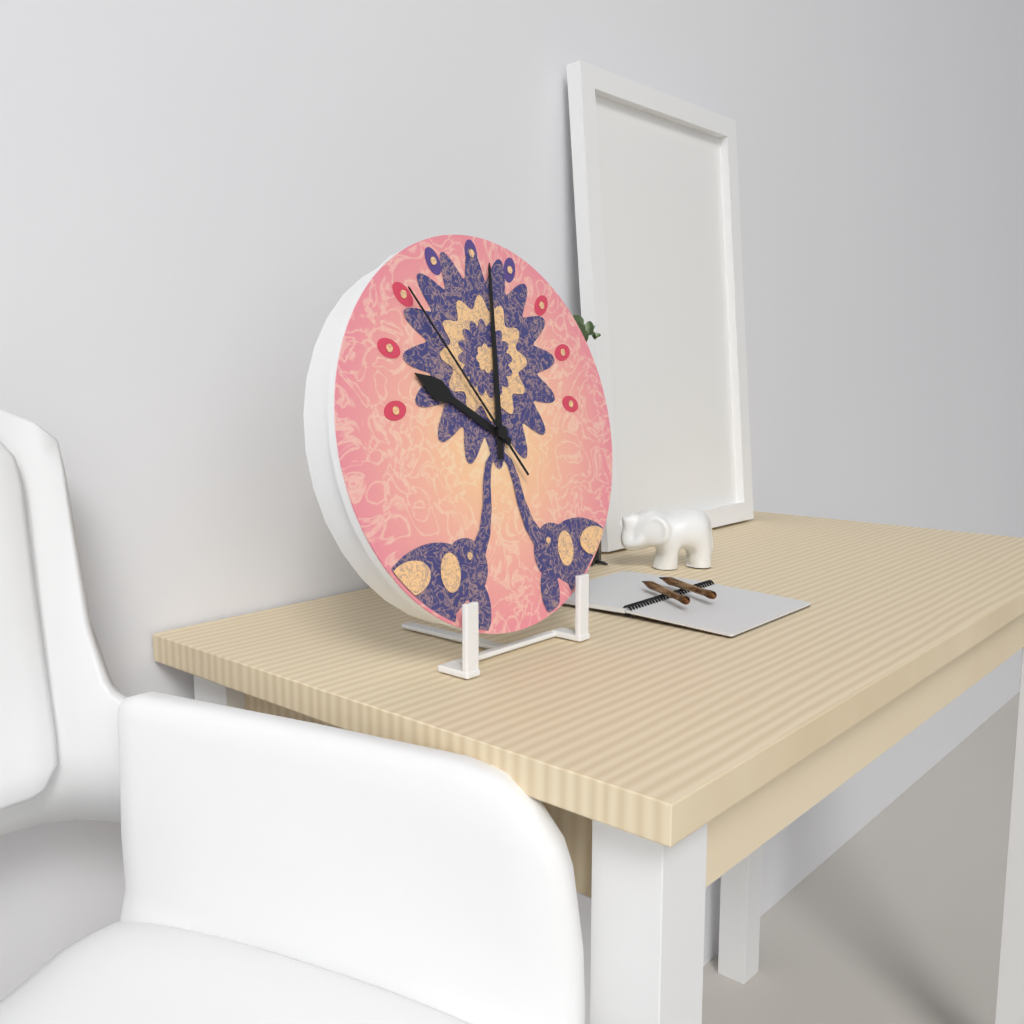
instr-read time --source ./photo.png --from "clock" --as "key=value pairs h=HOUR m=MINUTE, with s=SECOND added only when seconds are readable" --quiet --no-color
h=10 m=1 s=54
